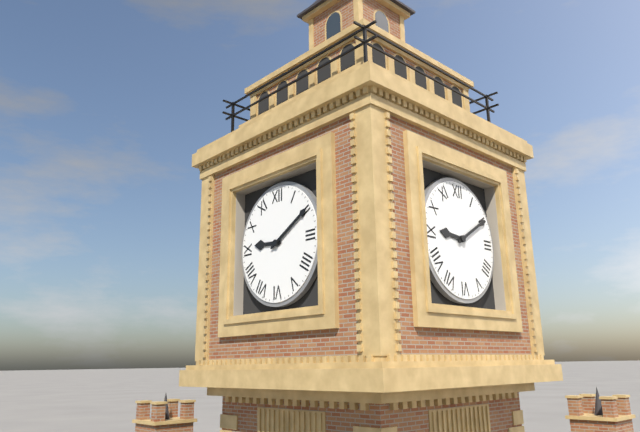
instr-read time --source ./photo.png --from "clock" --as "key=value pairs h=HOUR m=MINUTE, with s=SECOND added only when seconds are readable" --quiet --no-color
h=9 m=10
